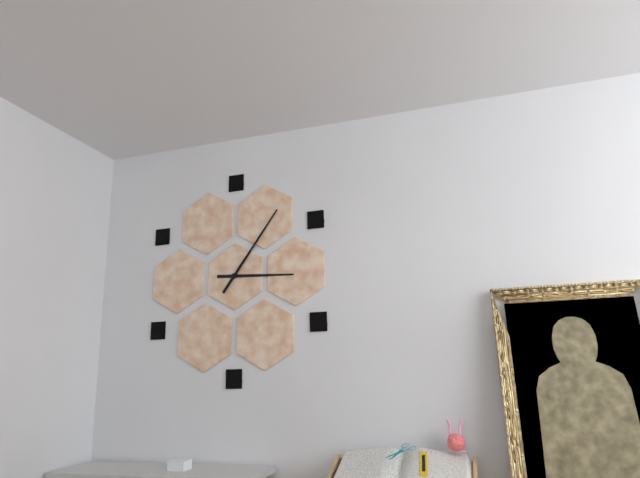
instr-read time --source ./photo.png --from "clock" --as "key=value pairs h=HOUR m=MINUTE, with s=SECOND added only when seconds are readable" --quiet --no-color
h=3 m=6
